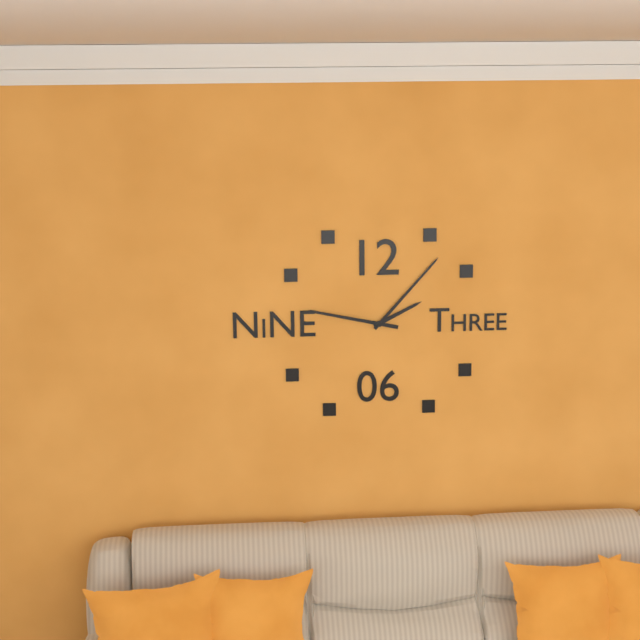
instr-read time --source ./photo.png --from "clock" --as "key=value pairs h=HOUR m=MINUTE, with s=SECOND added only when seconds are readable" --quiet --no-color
h=2 m=7 s=47
